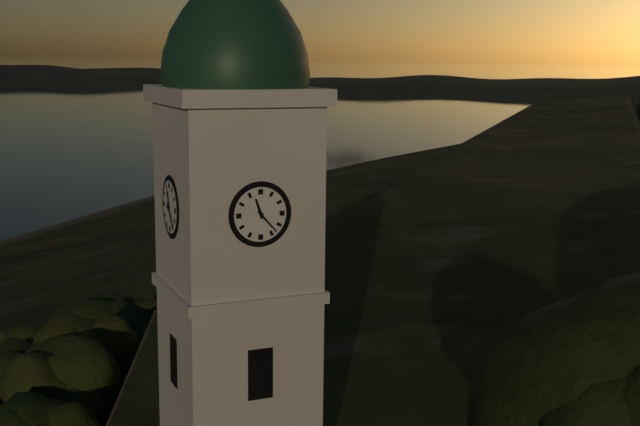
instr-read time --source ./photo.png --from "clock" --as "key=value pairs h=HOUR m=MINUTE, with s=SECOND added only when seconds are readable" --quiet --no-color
h=11 m=23
